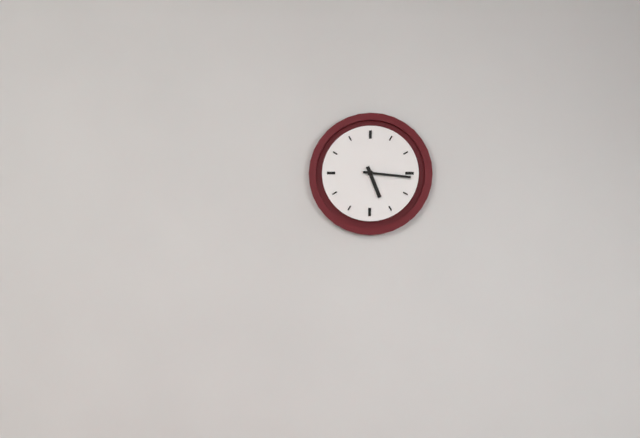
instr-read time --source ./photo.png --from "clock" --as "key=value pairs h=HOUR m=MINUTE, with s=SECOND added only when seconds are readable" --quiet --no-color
h=5 m=16
